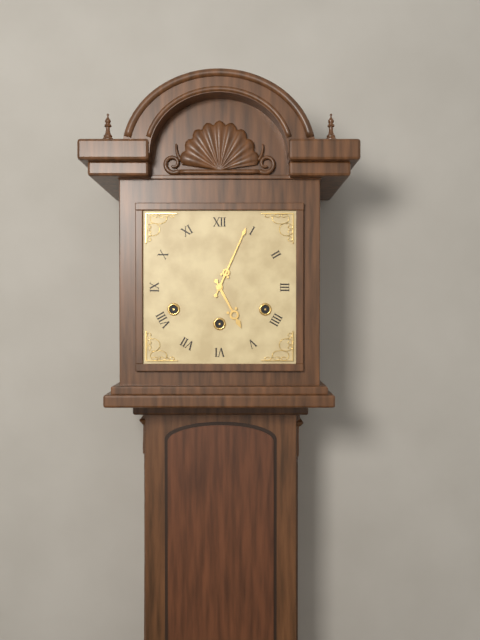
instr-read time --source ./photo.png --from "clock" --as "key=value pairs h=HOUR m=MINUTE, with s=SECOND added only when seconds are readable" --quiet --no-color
h=5 m=4
